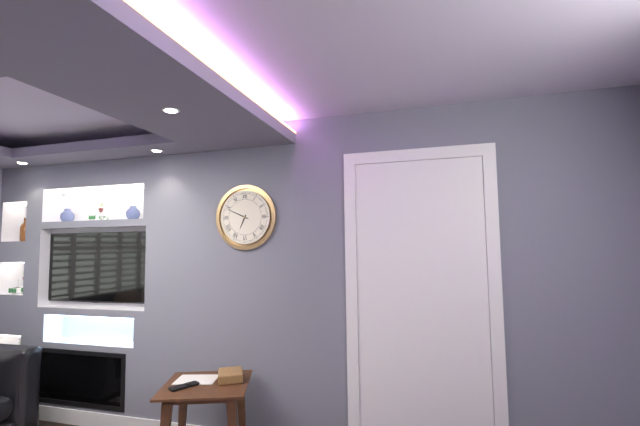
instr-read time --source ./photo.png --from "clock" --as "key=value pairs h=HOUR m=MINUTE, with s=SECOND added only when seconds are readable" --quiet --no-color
h=6 m=49
